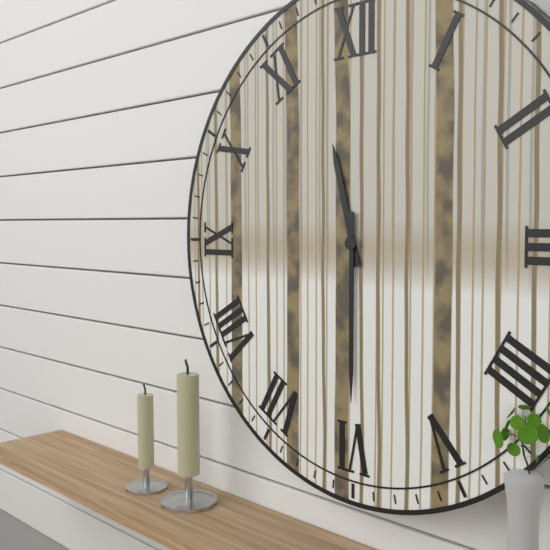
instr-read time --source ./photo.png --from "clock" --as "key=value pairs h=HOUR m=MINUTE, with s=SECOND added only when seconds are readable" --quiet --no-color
h=11 m=30
